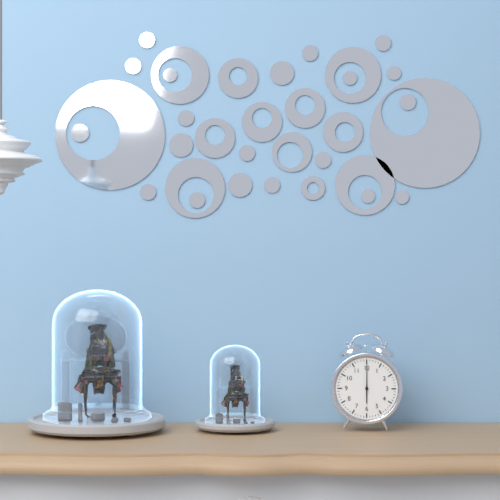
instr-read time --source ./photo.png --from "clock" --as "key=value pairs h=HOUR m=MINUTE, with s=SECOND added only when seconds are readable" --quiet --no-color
h=6 m=0
